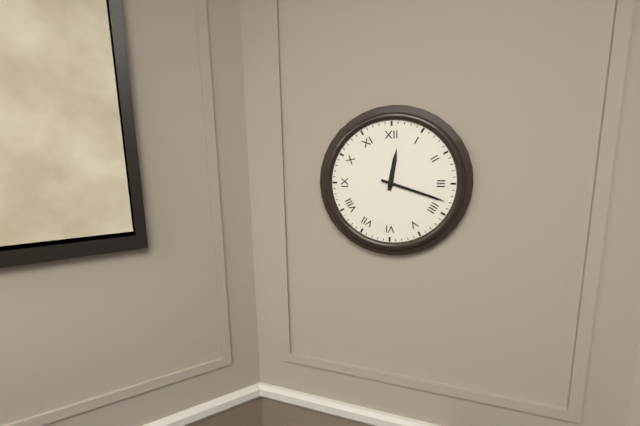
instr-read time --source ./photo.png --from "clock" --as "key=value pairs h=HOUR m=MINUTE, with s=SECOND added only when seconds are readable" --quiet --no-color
h=12 m=18
